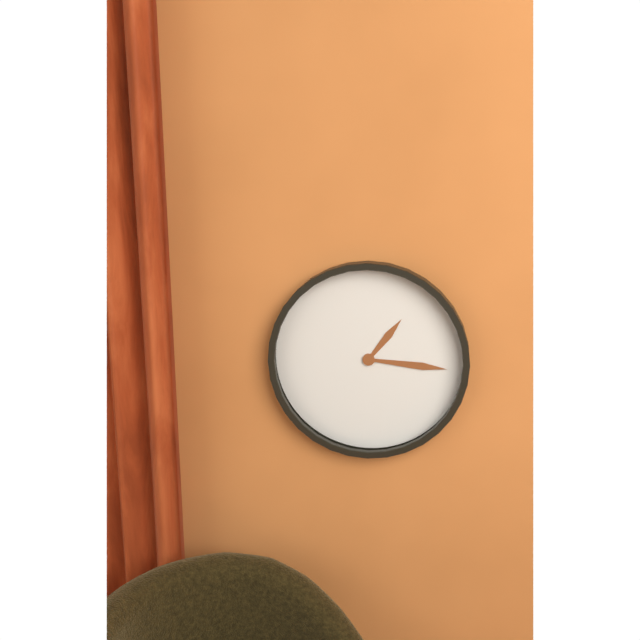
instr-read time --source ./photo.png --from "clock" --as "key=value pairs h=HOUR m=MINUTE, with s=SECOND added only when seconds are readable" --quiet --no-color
h=1 m=16
